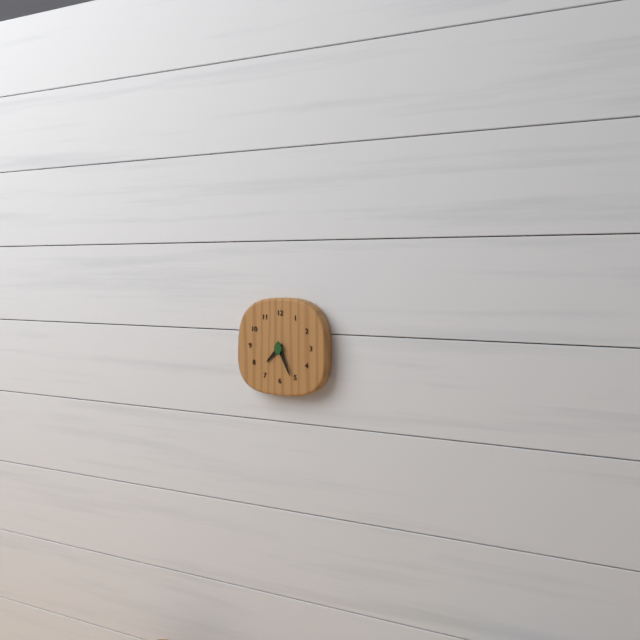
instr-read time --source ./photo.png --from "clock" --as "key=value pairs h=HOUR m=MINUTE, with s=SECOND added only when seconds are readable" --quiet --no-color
h=7 m=26
